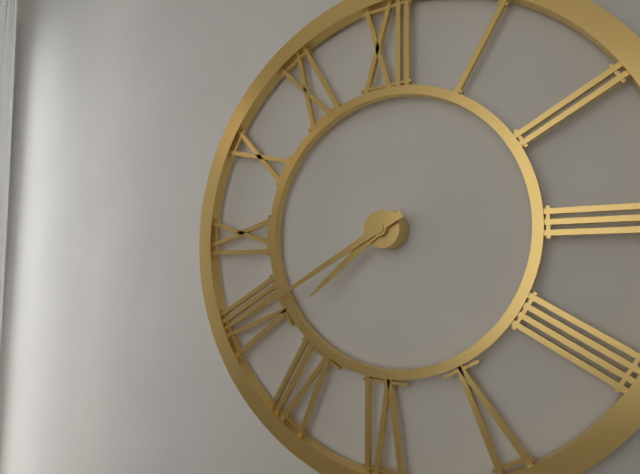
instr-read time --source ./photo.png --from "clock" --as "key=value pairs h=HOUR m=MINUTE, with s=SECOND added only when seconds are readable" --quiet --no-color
h=7 m=40
